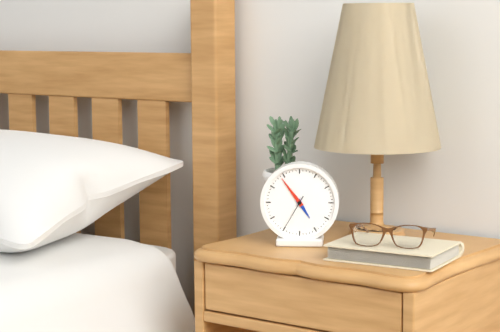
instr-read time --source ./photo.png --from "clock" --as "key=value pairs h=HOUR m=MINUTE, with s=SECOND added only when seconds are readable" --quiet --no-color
h=4 m=54
